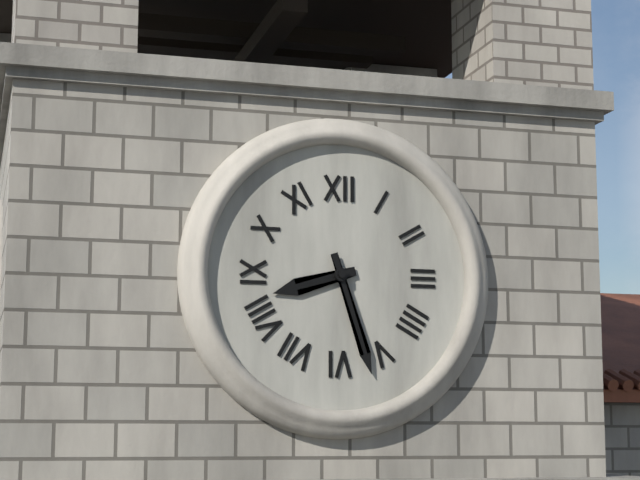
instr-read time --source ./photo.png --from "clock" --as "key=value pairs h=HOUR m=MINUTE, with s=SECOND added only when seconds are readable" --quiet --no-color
h=8 m=27
